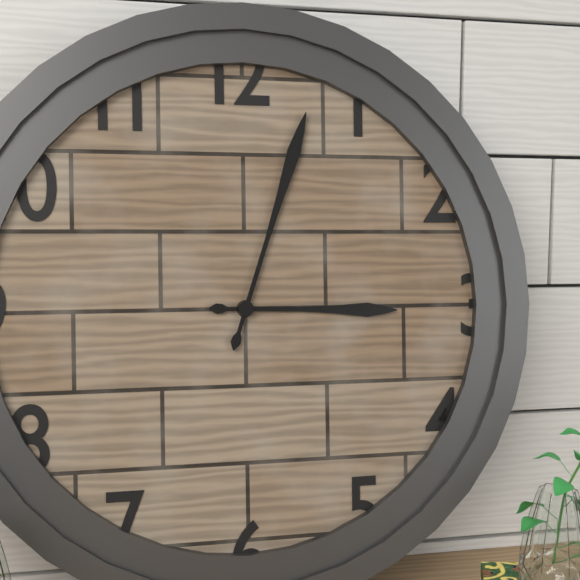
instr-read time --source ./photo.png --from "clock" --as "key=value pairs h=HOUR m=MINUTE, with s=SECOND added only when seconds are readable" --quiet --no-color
h=3 m=3
